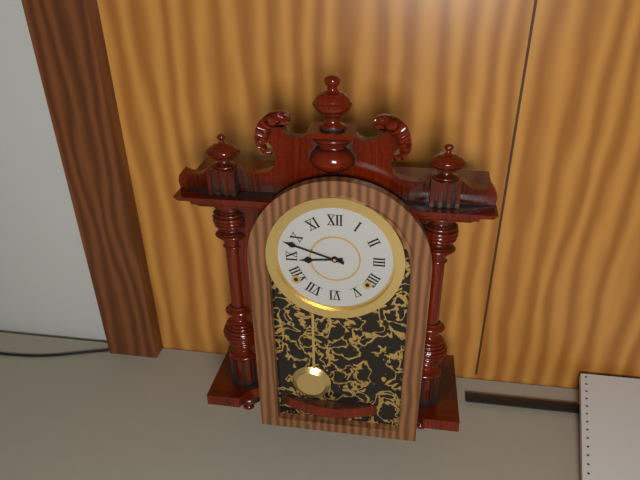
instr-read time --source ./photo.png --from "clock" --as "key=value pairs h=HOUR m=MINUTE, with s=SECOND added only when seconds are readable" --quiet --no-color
h=8 m=48
